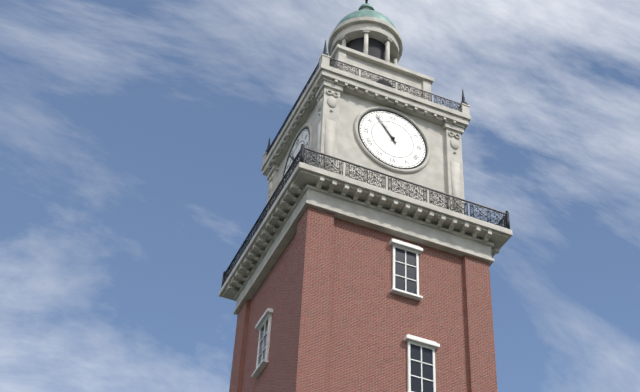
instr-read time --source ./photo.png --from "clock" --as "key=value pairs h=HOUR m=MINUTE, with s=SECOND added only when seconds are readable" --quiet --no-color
h=10 m=54
